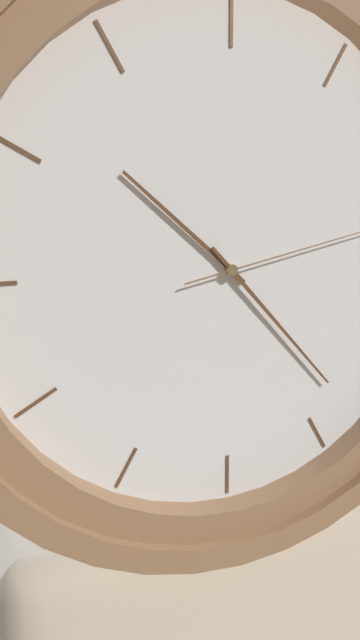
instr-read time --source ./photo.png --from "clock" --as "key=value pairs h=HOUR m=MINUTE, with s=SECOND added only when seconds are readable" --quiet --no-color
h=10 m=23
